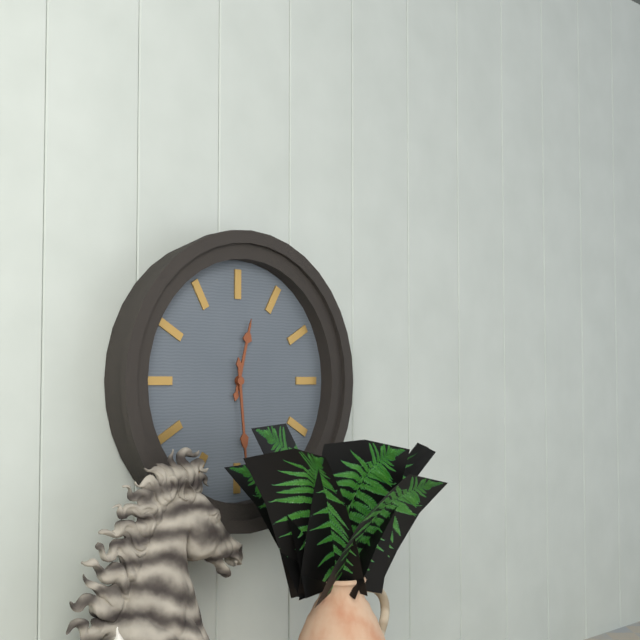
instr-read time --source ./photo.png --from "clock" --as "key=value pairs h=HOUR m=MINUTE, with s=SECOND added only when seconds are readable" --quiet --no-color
h=12 m=29
